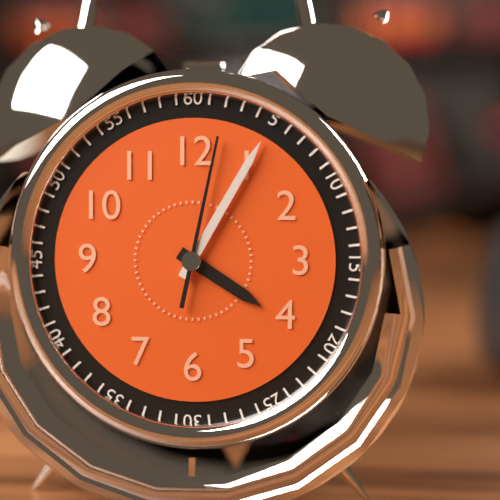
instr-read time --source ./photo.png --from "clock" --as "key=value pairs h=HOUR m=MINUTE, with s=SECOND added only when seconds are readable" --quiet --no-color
h=4 m=5 s=2
